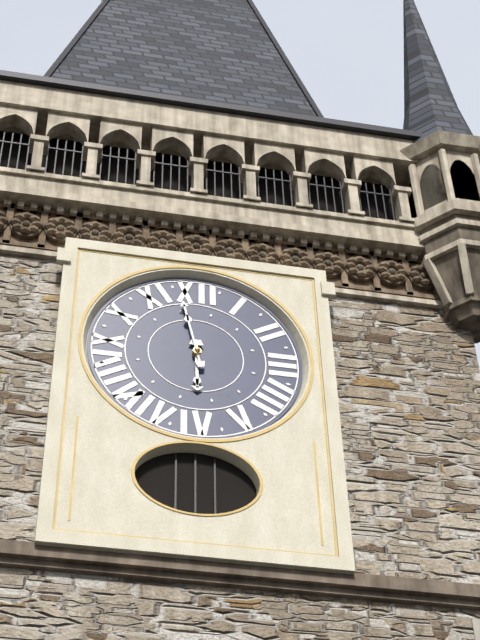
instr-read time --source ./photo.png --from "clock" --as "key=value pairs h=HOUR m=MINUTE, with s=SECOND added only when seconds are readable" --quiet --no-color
h=5 m=58
